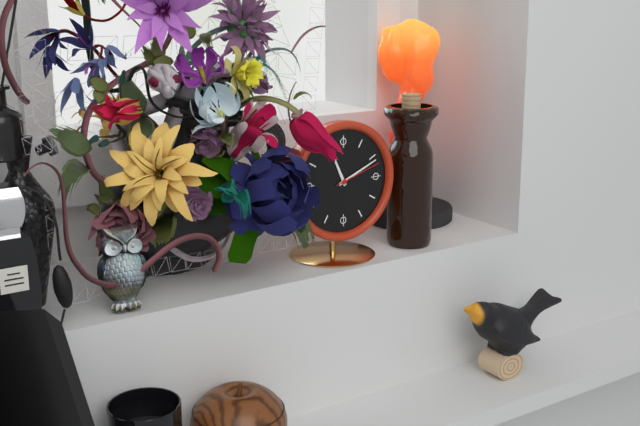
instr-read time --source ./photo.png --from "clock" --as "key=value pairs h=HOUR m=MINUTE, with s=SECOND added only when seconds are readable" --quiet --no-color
h=11 m=11
